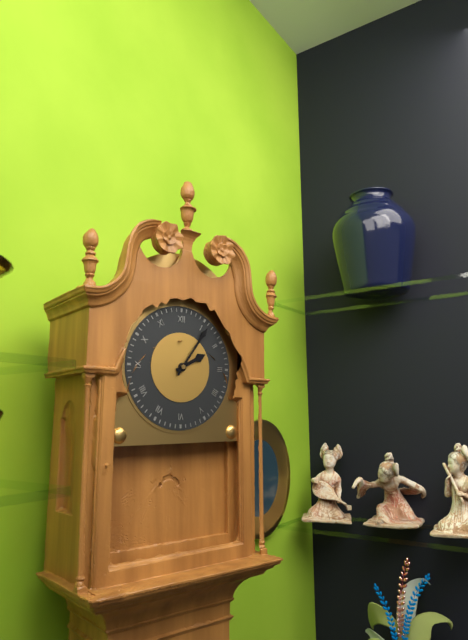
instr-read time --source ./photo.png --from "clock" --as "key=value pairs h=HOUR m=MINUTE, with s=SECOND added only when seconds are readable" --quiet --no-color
h=2 m=6
